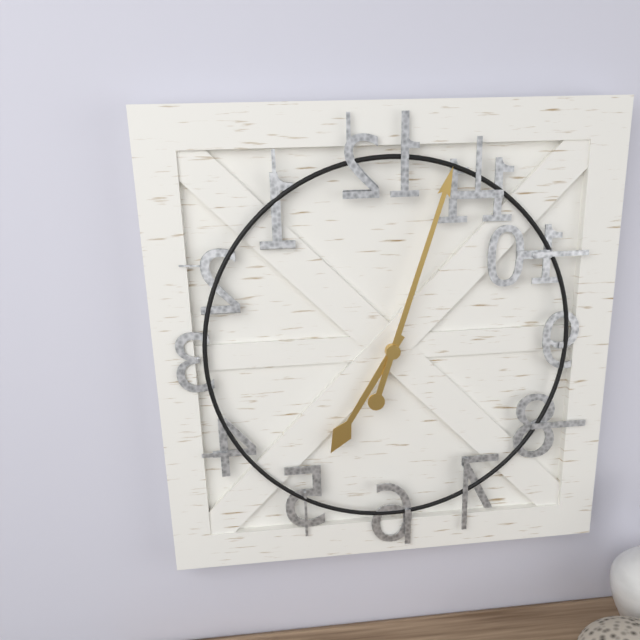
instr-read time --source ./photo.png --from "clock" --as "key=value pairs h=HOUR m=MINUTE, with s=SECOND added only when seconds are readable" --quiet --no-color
h=7 m=3
